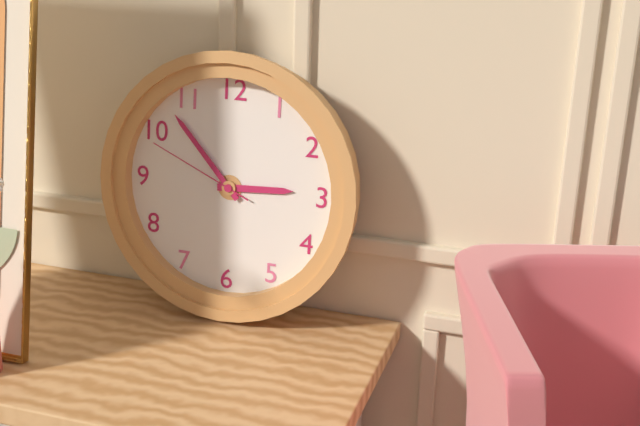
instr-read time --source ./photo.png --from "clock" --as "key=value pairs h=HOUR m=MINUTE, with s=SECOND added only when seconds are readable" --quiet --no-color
h=2 m=53 s=49
